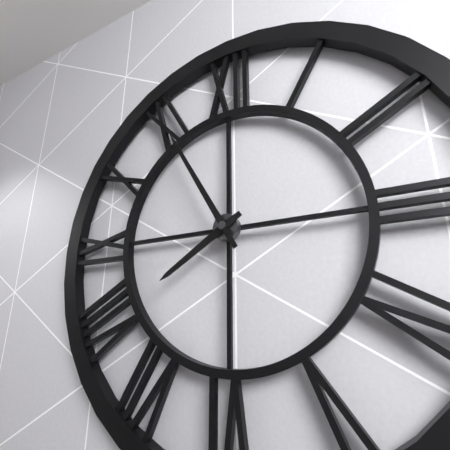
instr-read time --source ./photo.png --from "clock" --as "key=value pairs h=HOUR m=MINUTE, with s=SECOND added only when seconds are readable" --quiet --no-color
h=7 m=55
